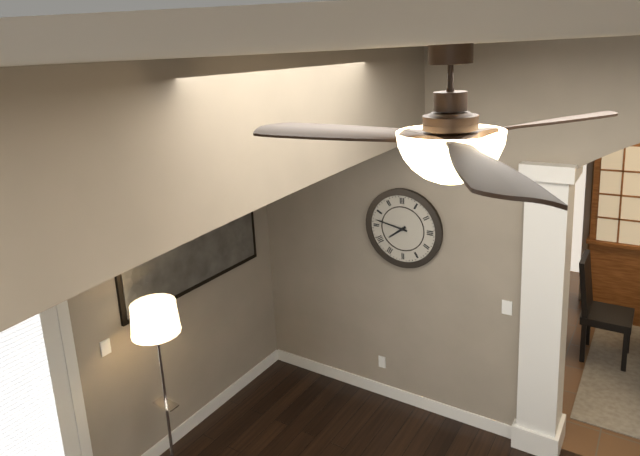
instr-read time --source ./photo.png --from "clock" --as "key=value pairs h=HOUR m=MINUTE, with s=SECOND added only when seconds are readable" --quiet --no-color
h=7 m=47
